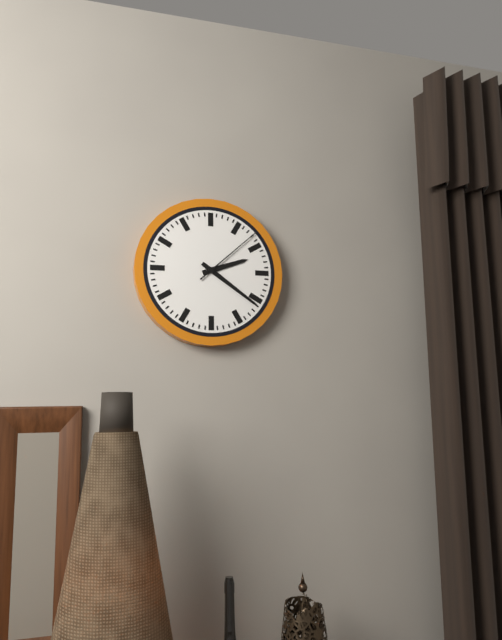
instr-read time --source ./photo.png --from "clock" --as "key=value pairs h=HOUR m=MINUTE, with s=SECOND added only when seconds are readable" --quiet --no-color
h=2 m=21 s=8
